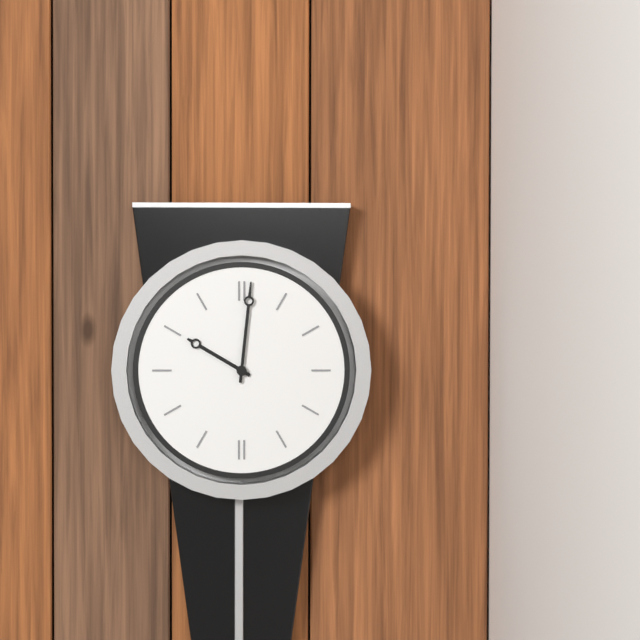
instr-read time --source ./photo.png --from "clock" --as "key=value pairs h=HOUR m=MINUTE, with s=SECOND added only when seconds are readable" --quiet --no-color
h=10 m=1
